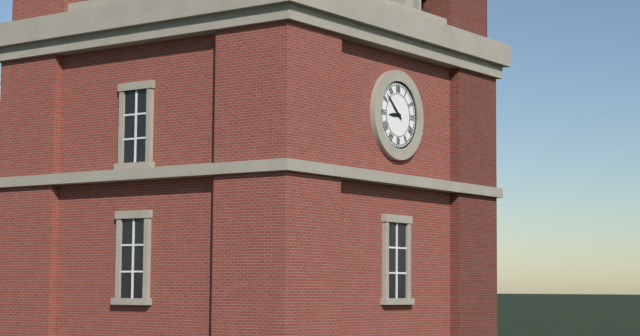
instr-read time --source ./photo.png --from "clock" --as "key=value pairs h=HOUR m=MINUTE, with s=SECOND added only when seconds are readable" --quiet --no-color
h=8 m=52
